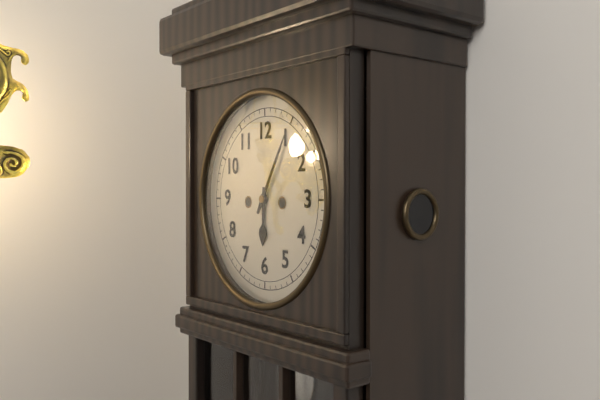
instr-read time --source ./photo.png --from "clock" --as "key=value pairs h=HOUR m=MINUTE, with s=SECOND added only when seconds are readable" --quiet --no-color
h=6 m=5
